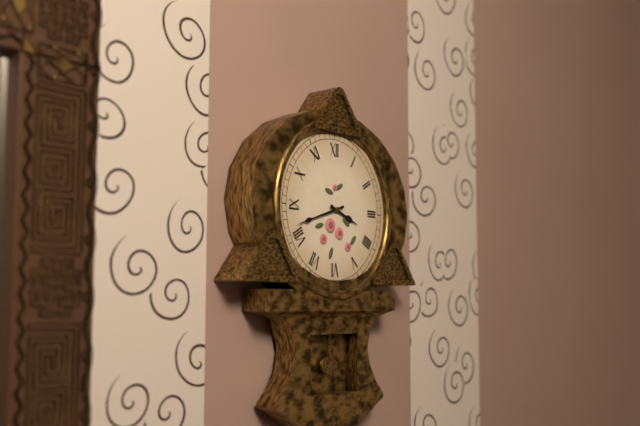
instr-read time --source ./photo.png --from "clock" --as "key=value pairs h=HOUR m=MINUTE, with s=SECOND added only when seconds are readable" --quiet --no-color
h=3 m=42
